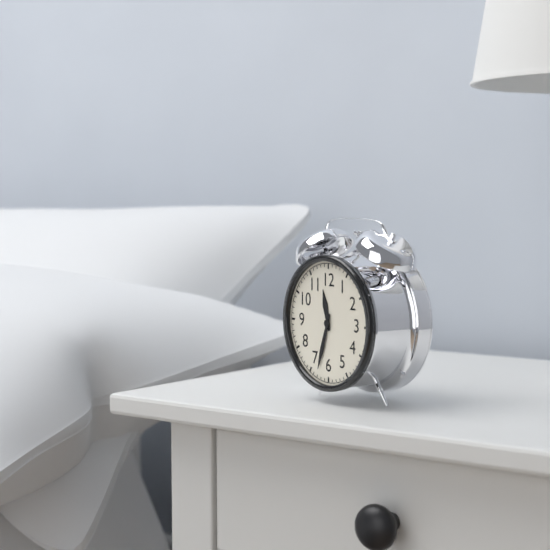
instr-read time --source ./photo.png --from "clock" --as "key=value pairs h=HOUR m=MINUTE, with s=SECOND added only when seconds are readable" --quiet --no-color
h=11 m=33
